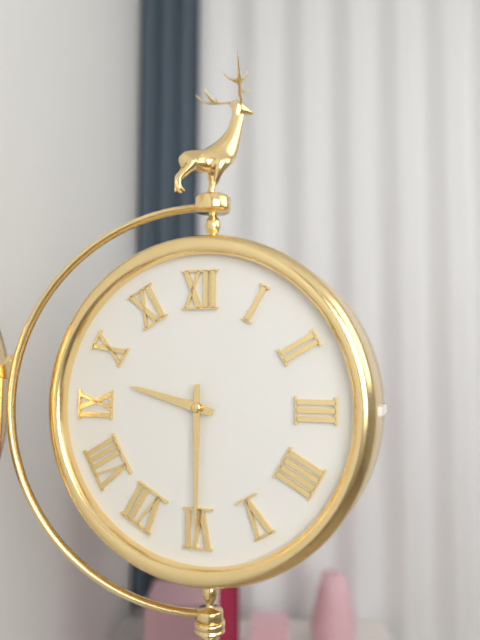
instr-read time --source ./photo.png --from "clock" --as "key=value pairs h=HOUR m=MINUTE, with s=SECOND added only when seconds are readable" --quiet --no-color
h=9 m=30
